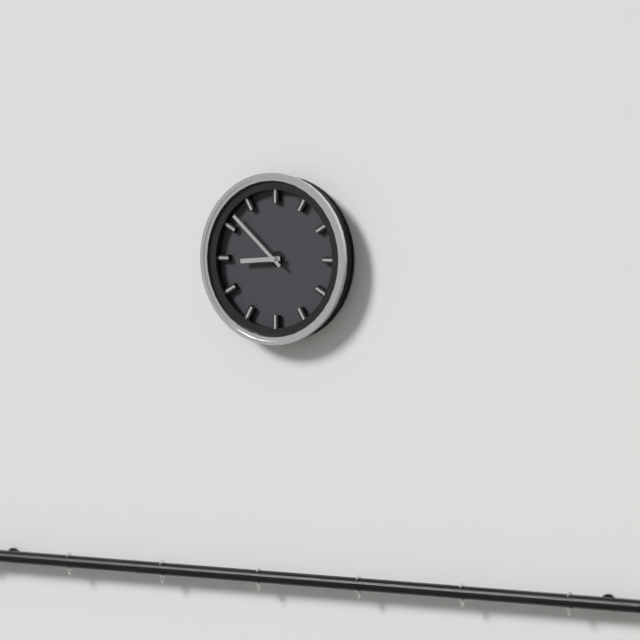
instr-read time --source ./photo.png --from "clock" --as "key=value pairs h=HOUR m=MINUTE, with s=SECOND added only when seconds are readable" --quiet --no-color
h=8 m=52
